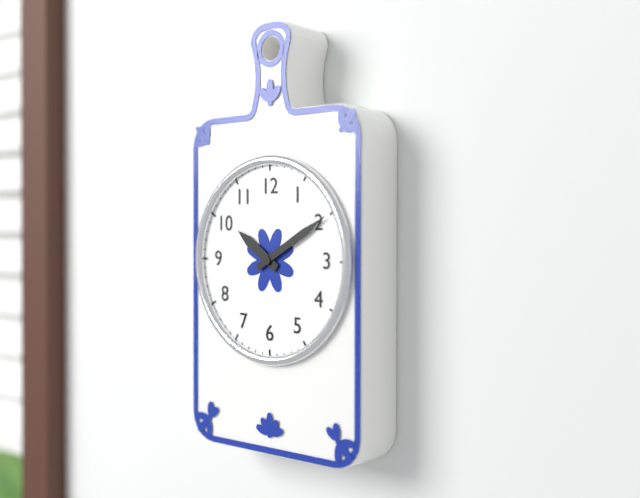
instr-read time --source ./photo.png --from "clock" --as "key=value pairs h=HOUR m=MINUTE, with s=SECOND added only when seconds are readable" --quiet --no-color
h=10 m=10
